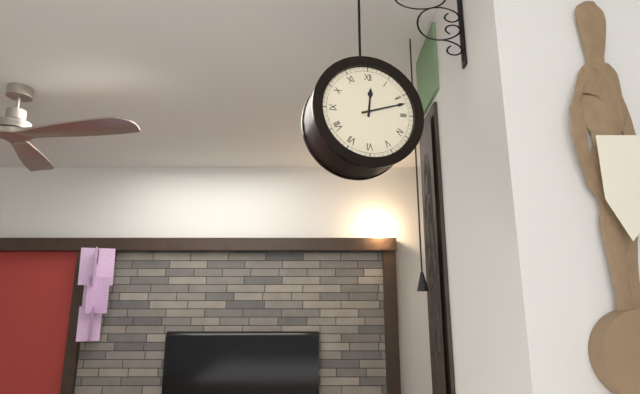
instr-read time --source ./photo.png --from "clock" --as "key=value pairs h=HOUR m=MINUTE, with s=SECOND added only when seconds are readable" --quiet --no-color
h=12 m=12
